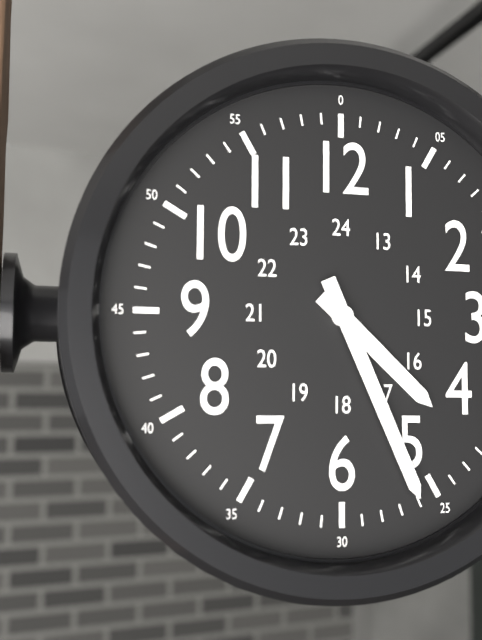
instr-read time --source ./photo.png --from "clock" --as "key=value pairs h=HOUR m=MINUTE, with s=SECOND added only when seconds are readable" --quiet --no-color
h=4 m=26
